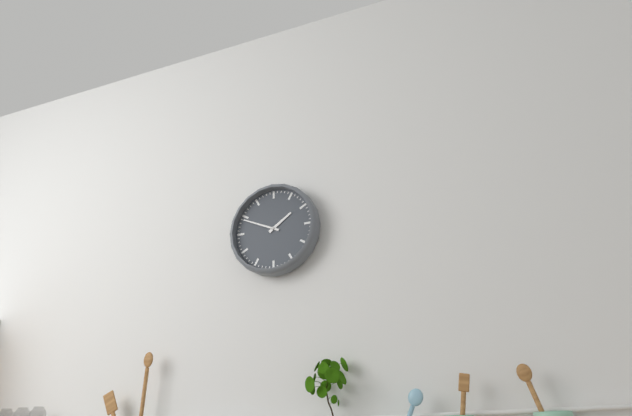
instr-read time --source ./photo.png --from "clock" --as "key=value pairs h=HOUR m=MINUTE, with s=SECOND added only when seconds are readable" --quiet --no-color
h=1 m=49
